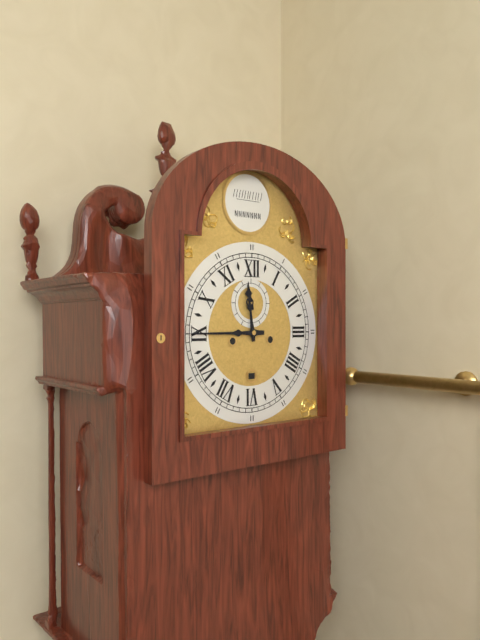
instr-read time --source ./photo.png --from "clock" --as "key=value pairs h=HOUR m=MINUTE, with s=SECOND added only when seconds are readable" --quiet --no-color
h=11 m=45
